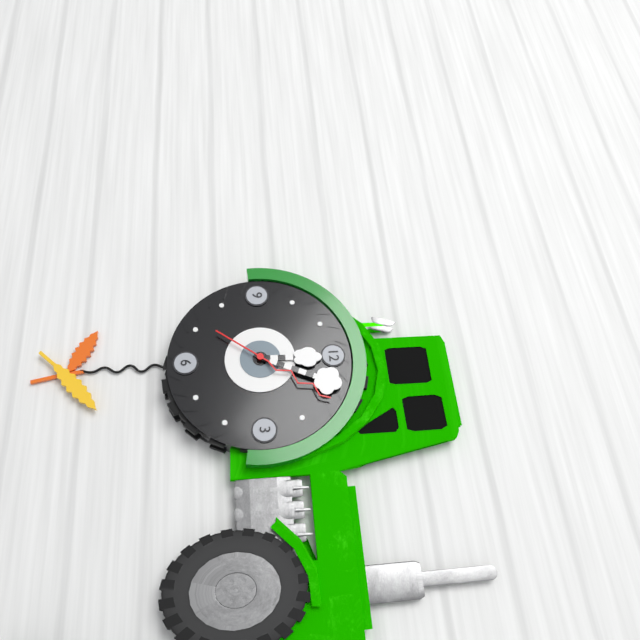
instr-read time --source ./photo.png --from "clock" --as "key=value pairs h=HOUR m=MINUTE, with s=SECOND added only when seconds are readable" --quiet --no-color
h=12 m=4 s=6
